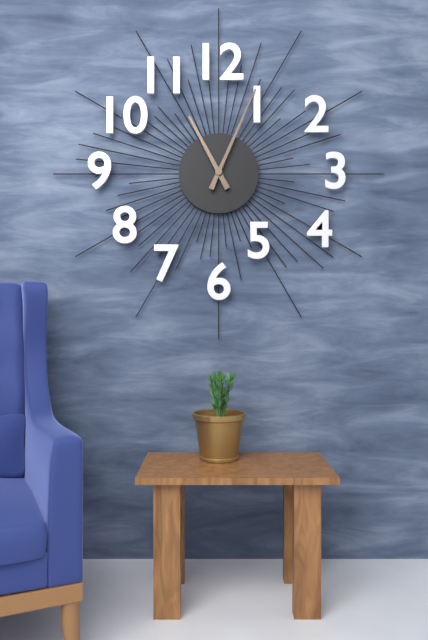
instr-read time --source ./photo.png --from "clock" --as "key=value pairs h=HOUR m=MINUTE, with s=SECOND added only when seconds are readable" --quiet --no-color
h=11 m=4
